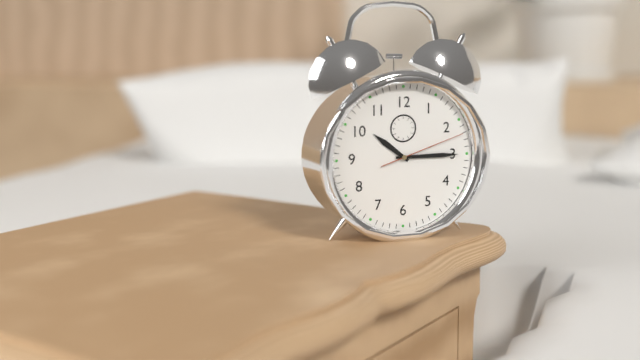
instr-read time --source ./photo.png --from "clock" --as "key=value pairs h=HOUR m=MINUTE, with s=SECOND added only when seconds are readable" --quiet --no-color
h=10 m=15 s=12
